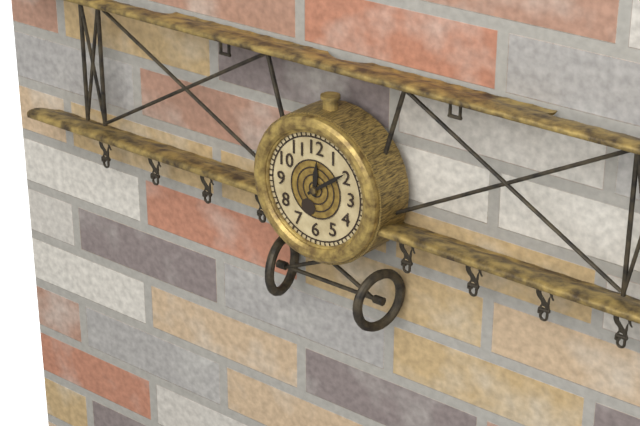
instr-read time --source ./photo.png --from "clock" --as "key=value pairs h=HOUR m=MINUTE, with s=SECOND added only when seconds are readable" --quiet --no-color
h=12 m=9
